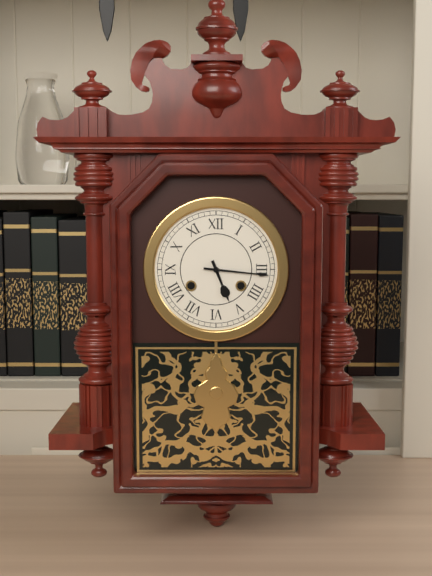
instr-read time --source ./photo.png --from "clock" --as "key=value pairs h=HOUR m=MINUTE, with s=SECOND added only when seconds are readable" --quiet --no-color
h=5 m=16
